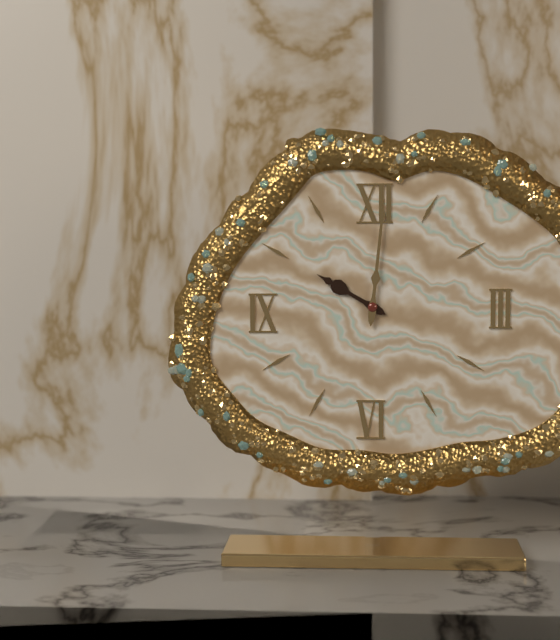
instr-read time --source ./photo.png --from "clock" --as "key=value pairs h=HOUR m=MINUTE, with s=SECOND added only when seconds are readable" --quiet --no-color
h=10 m=1
